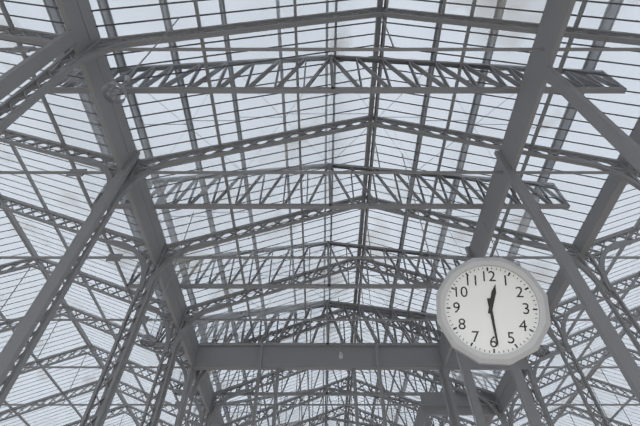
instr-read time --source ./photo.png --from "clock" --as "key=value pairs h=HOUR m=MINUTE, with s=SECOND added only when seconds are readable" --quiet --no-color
h=12 m=29
